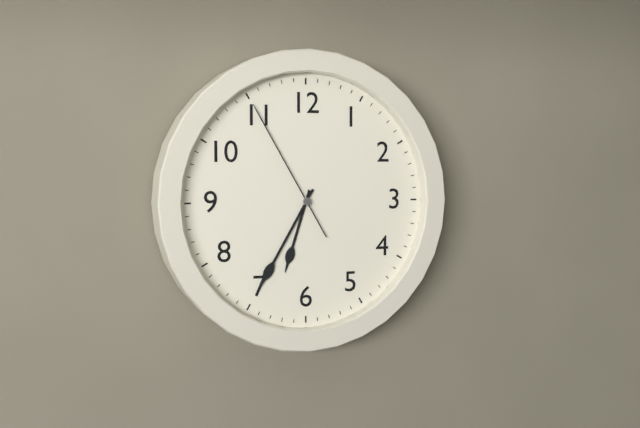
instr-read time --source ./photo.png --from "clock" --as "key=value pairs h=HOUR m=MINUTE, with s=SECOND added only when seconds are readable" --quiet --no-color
h=6 m=35 s=55
